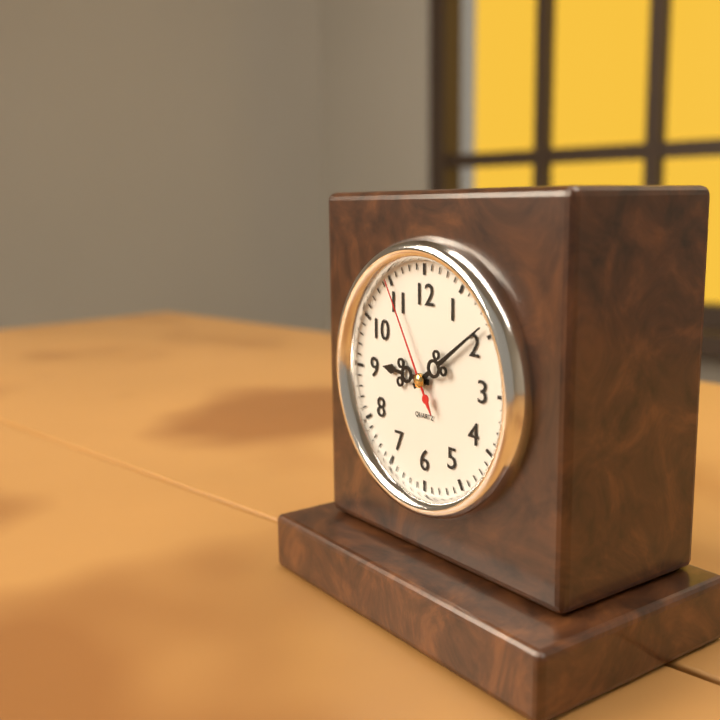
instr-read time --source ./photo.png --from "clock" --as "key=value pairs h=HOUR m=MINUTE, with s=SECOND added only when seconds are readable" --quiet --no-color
h=9 m=9 s=55
